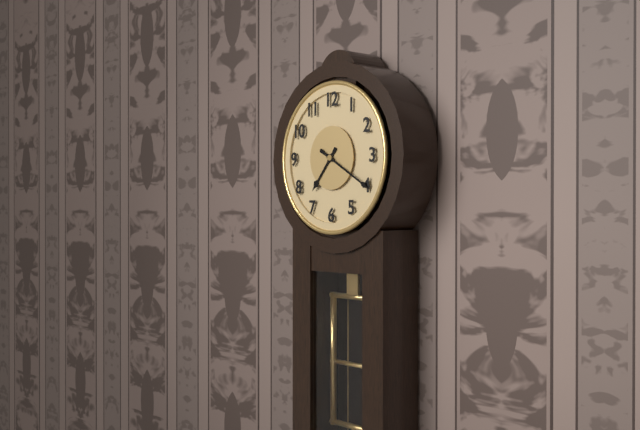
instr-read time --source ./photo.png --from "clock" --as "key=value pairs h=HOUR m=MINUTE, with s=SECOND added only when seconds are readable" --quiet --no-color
h=7 m=20
